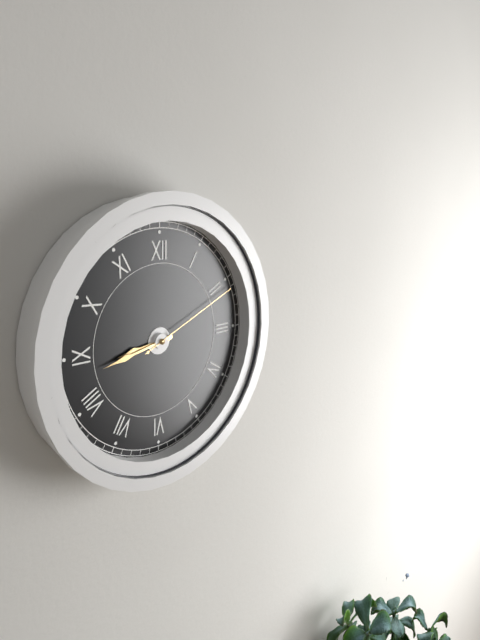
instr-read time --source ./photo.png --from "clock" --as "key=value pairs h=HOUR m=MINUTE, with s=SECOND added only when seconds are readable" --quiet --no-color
h=8 m=43 s=11
